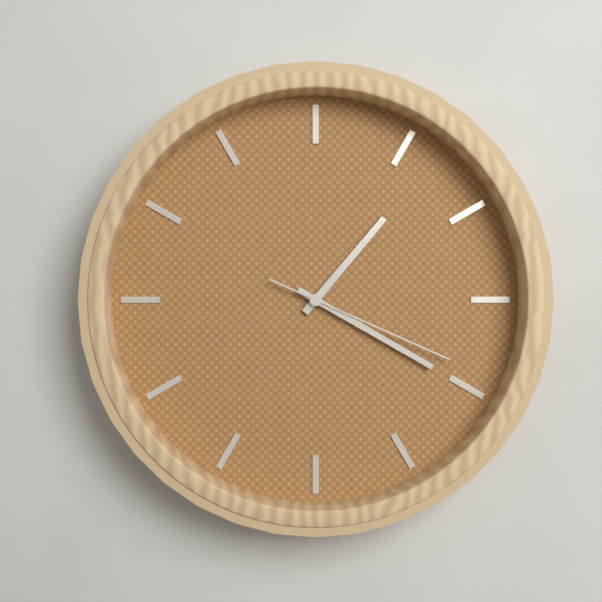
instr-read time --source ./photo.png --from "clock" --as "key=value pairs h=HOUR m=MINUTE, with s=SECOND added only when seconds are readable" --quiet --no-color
h=1 m=20 s=19
